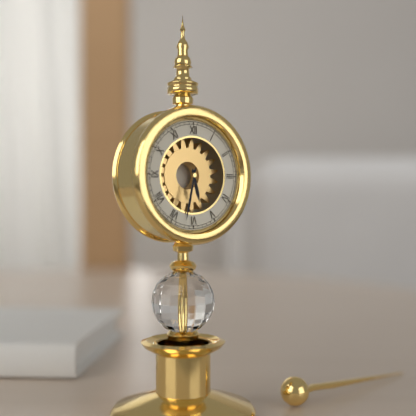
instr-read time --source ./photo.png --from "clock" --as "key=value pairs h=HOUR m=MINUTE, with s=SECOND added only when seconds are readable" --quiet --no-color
h=5 m=32
